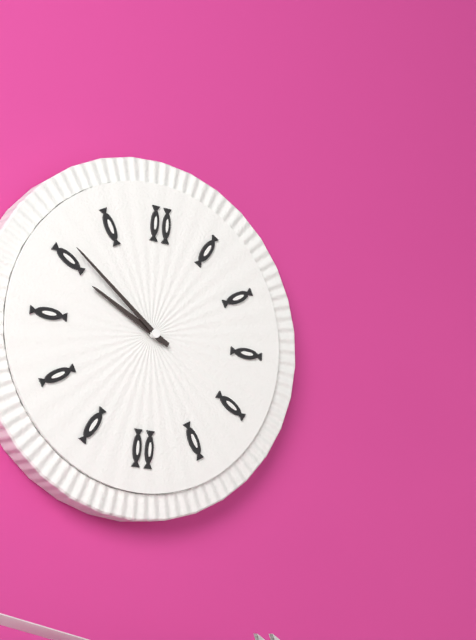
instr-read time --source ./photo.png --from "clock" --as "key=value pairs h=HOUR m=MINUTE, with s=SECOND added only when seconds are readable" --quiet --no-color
h=9 m=51
